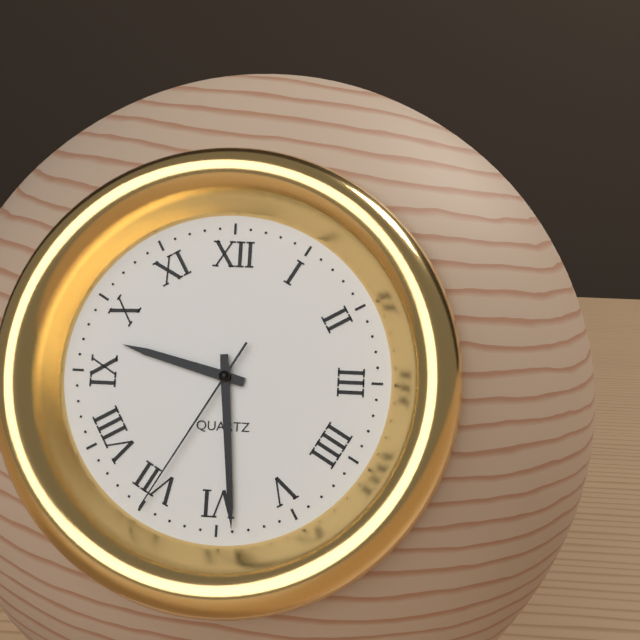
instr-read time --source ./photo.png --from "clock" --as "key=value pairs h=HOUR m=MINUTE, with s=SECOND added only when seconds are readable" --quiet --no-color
h=9 m=29 s=35
